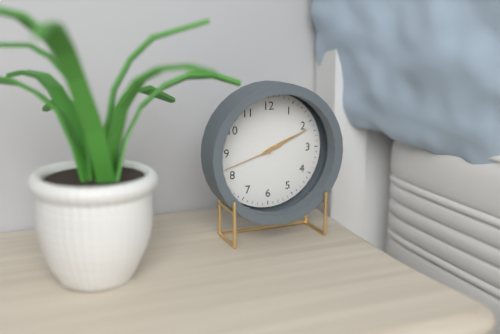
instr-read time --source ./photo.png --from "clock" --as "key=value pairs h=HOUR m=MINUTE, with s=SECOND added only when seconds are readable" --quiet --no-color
h=2 m=11 s=42
